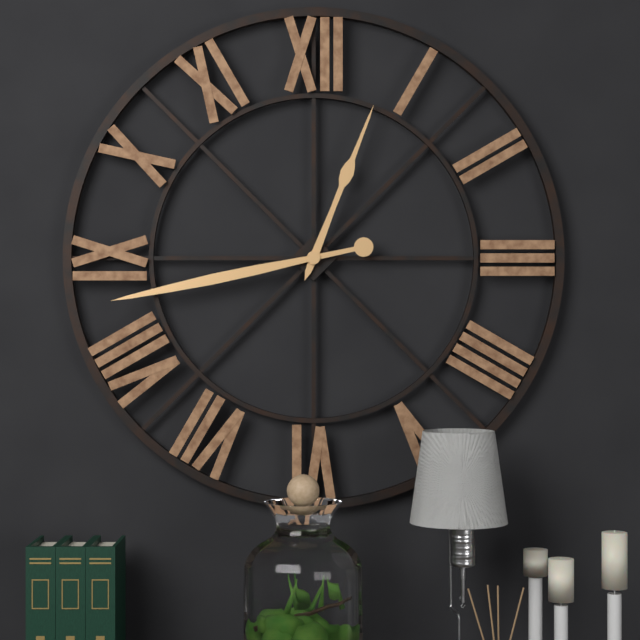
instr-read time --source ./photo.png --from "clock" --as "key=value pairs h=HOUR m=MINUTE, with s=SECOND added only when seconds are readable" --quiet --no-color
h=12 m=43
